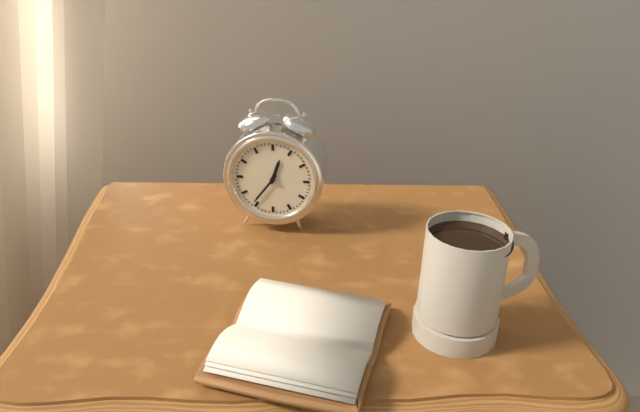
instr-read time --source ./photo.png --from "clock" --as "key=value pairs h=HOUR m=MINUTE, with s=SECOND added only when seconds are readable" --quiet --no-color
h=12 m=36
